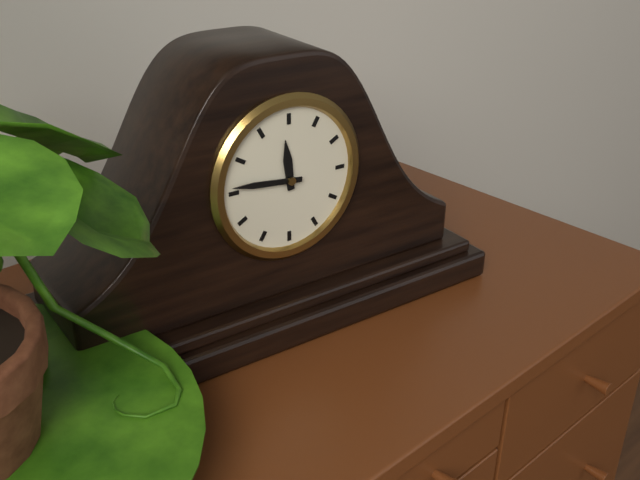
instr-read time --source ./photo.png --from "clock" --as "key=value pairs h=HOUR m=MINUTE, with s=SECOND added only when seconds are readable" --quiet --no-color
h=11 m=46
